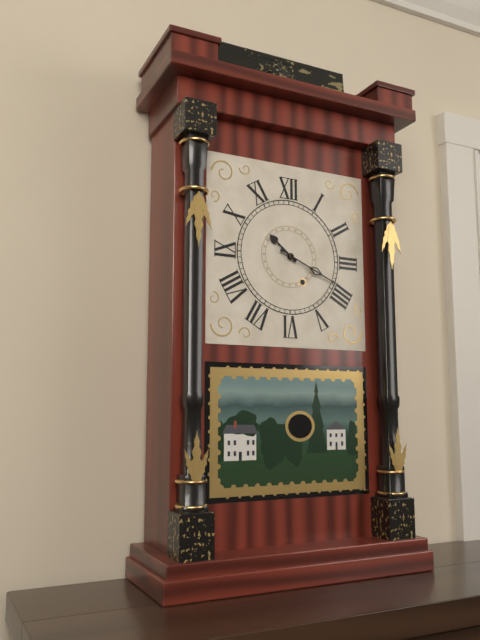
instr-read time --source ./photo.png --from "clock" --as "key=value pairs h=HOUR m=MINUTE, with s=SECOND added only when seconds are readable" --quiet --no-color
h=10 m=19
